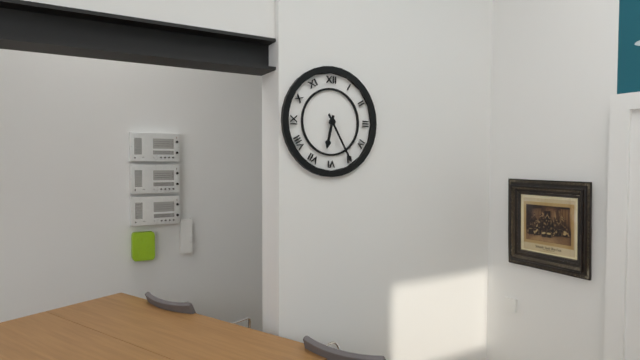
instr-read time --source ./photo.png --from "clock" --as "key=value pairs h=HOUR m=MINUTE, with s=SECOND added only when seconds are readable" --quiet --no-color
h=6 m=25
